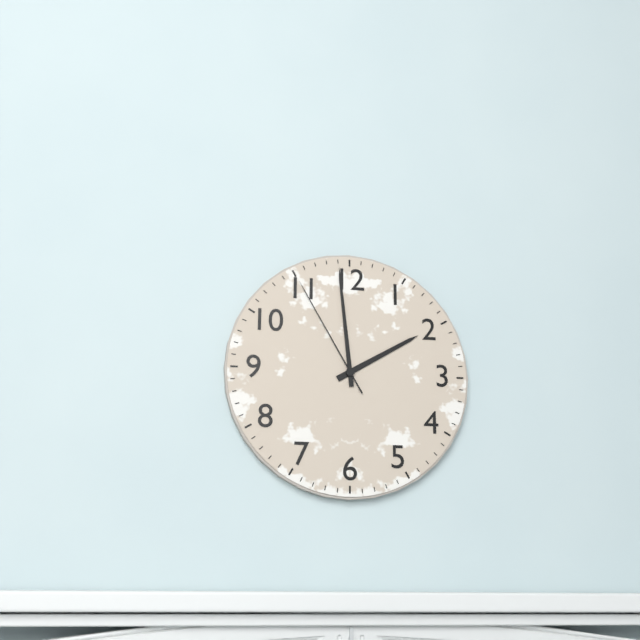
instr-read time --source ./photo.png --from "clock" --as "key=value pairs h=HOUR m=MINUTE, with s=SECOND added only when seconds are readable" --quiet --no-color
h=1 m=59 s=55
